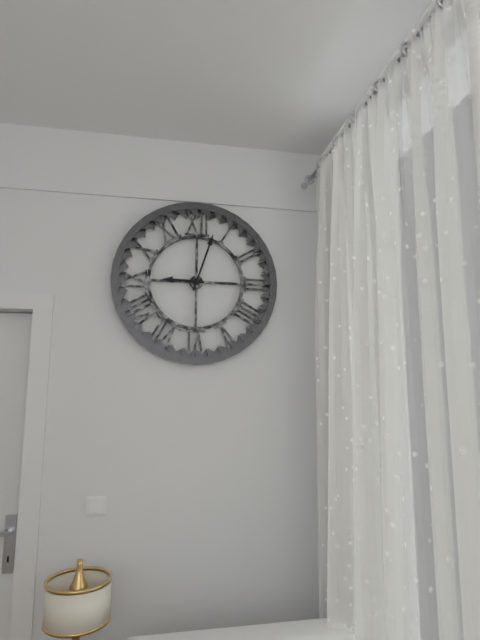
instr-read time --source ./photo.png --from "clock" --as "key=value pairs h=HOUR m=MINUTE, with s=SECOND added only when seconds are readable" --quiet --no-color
h=9 m=3
